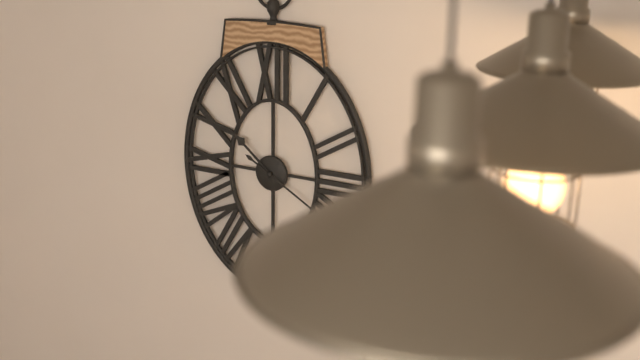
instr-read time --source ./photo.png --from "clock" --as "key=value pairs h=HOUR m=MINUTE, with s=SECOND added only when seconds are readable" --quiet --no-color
h=10 m=20
